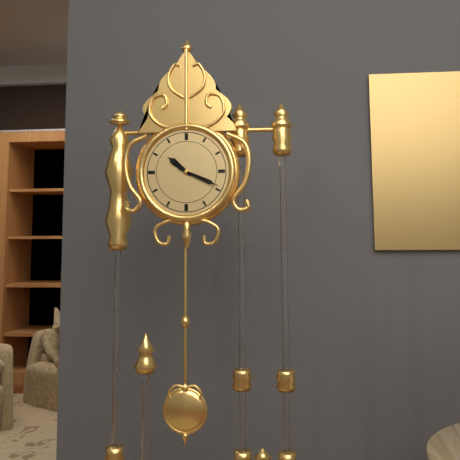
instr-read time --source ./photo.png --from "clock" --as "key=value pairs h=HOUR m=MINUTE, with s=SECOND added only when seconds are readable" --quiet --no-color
h=10 m=19
